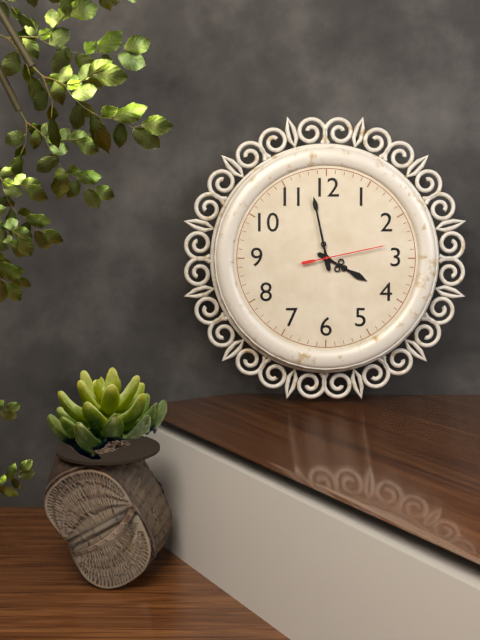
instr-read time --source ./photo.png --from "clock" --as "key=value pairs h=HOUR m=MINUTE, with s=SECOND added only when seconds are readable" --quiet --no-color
h=3 m=58 s=13
